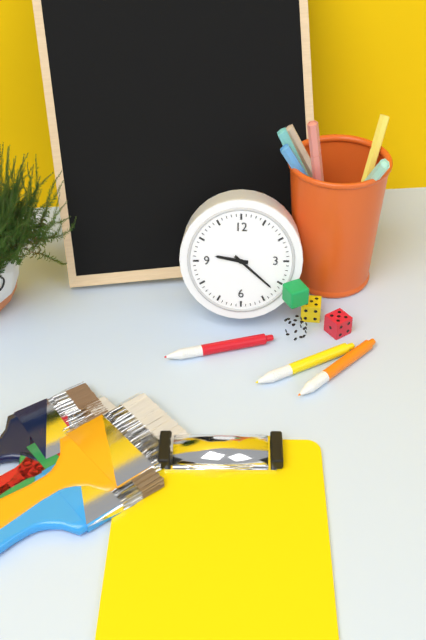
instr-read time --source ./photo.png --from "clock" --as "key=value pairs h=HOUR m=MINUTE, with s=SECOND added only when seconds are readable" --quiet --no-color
h=9 m=22
